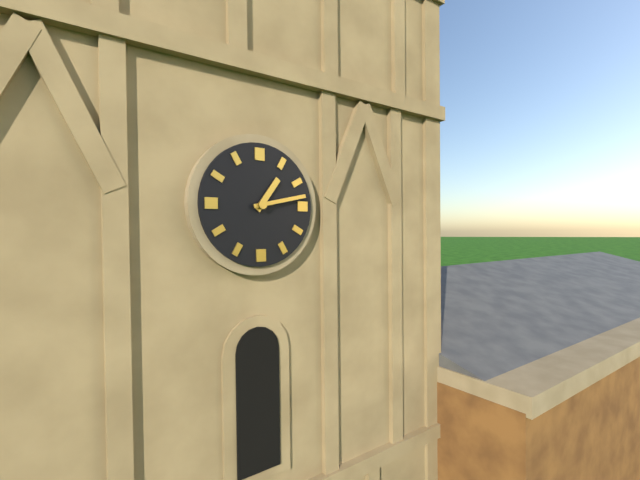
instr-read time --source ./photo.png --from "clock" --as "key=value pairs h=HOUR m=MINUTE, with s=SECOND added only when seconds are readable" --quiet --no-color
h=1 m=13
